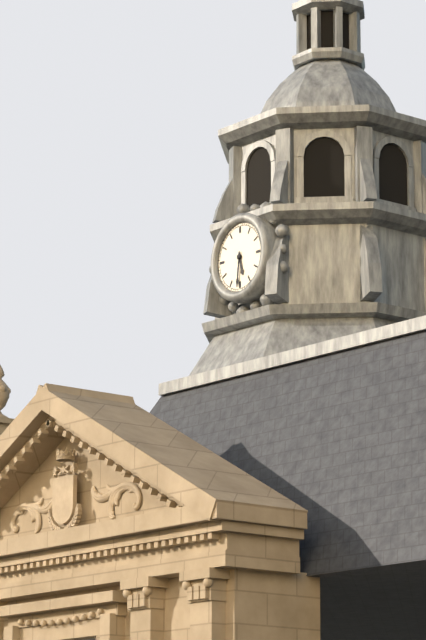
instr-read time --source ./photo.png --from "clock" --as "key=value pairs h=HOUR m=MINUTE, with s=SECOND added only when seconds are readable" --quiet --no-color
h=5 m=31
